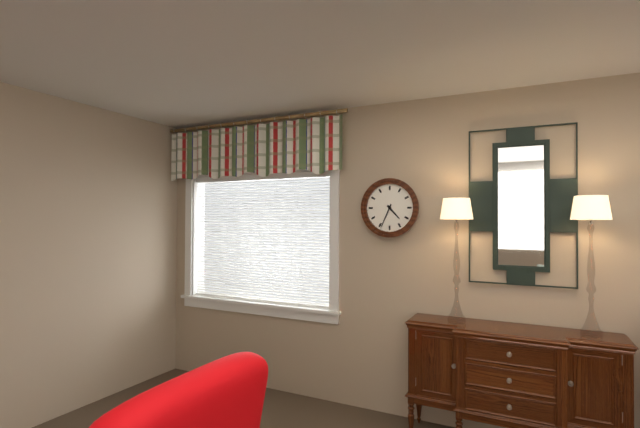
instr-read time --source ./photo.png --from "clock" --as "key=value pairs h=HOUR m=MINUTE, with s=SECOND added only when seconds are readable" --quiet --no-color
h=4 m=34
